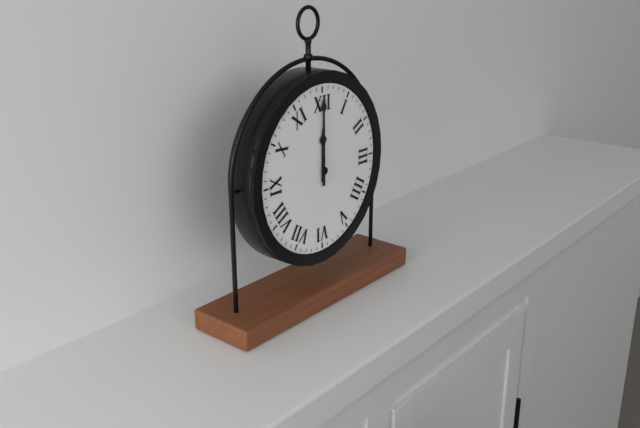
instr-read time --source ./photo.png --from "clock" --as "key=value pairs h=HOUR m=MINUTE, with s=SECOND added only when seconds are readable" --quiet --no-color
h=12 m=0
